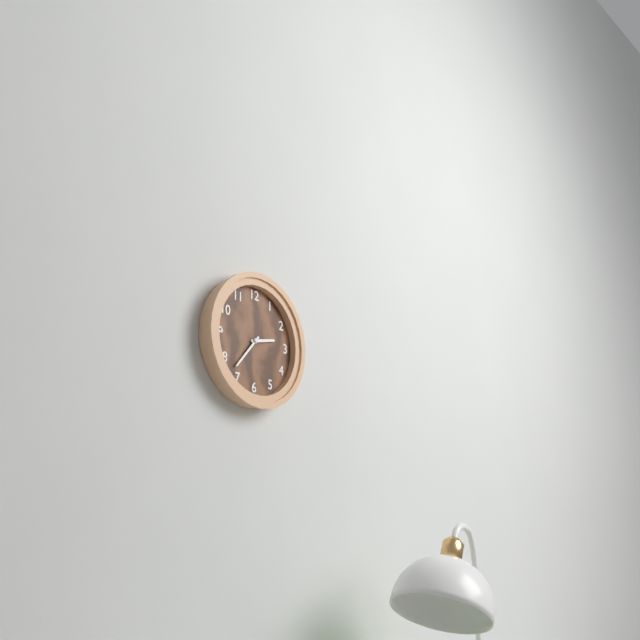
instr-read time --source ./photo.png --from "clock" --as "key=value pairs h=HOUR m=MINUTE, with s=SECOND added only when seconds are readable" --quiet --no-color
h=2 m=37
